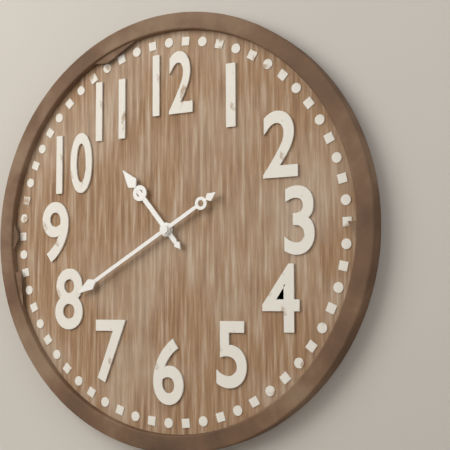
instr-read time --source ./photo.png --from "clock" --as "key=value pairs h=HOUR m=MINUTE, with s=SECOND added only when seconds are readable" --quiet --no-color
h=10 m=40
